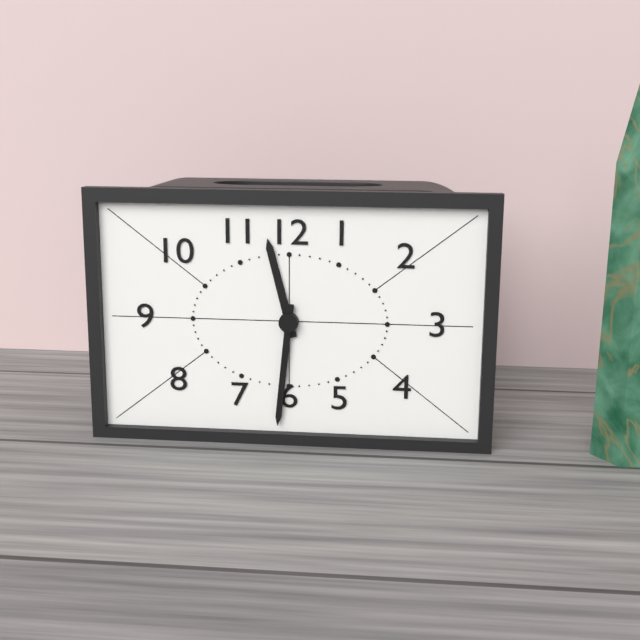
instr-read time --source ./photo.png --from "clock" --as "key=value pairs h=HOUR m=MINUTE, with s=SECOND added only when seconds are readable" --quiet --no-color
h=11 m=31
